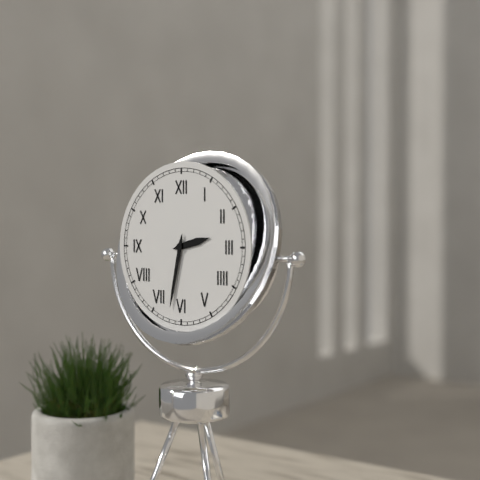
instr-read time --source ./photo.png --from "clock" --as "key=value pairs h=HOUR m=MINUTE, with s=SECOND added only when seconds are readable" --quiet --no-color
h=2 m=32
